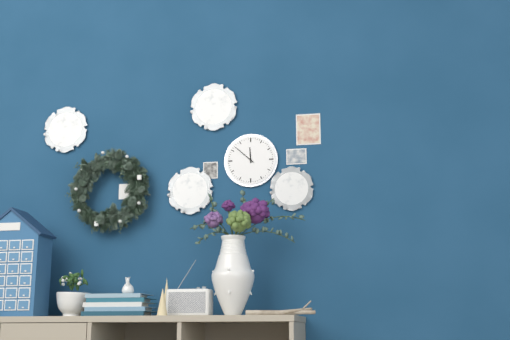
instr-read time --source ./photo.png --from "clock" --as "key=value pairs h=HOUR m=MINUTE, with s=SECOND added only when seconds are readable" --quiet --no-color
h=11 m=52
